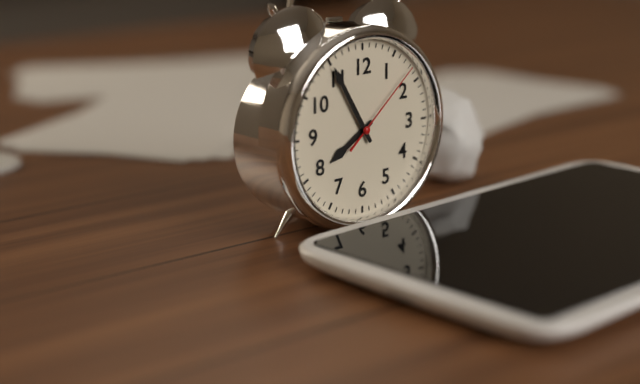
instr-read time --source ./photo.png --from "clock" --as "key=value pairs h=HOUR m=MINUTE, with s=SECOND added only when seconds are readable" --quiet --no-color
h=7 m=55 s=8
